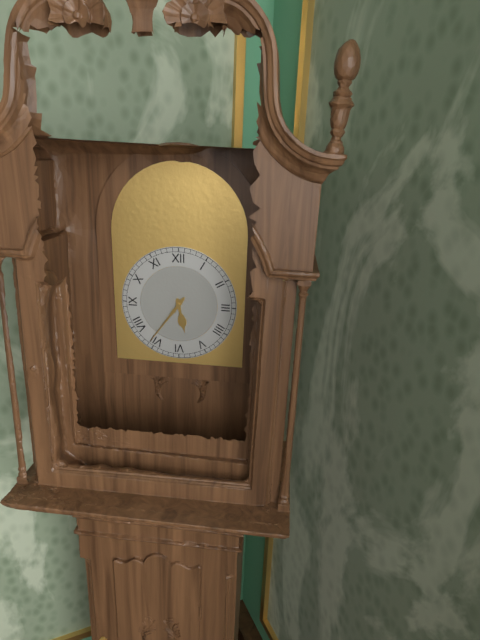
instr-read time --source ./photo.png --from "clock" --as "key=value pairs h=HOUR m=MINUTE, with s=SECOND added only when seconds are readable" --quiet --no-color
h=5 m=36
